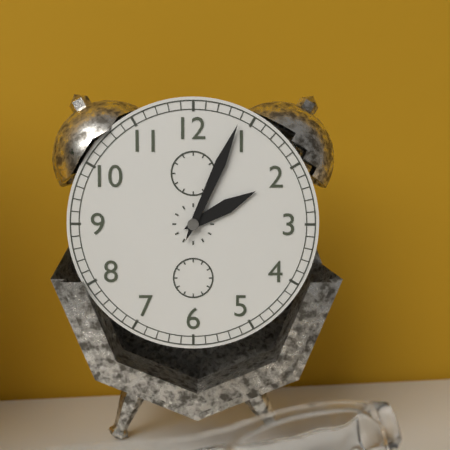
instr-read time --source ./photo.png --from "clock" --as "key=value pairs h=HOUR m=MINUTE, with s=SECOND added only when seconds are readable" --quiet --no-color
h=2 m=4
